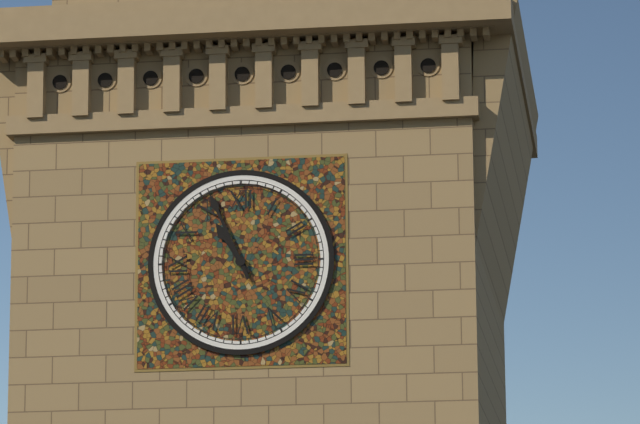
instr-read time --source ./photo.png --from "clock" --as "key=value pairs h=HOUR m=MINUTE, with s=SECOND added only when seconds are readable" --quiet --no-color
h=10 m=56
